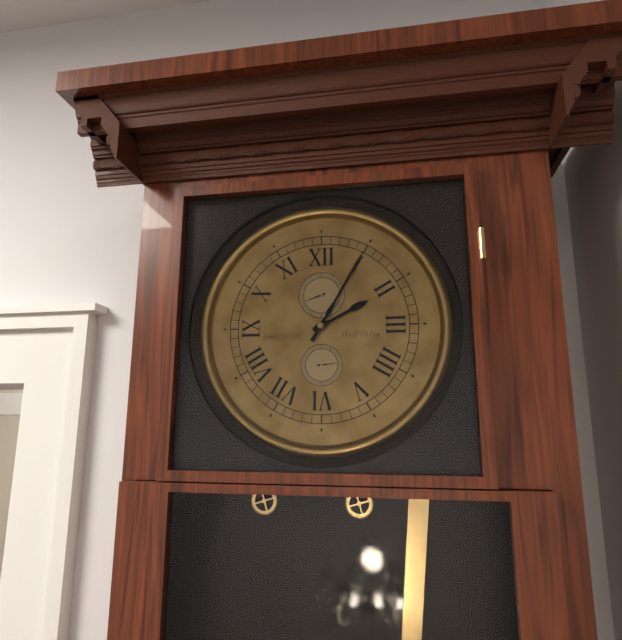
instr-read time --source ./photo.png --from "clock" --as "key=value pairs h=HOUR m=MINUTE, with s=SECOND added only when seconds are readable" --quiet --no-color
h=2 m=5
